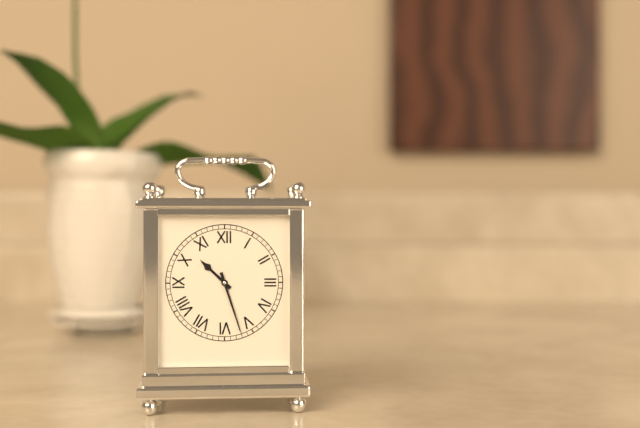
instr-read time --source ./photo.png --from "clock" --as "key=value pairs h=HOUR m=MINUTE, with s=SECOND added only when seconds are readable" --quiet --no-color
h=10 m=27
